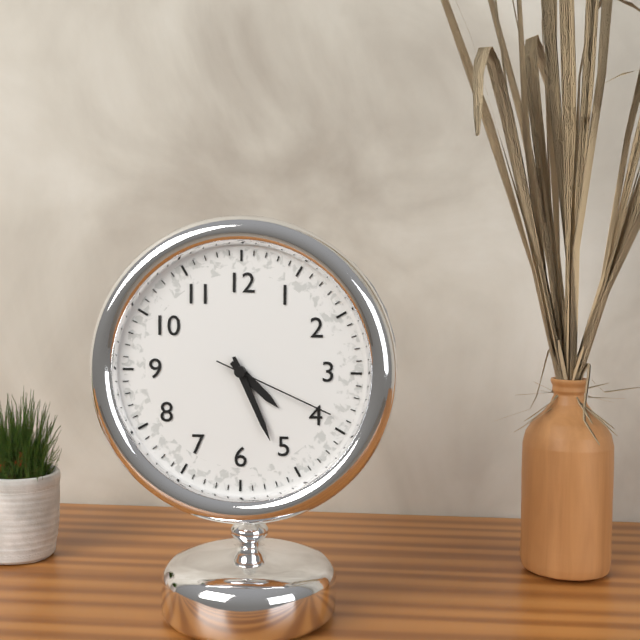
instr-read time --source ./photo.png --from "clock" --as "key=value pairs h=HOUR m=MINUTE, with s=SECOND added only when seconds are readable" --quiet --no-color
h=4 m=26 s=19
